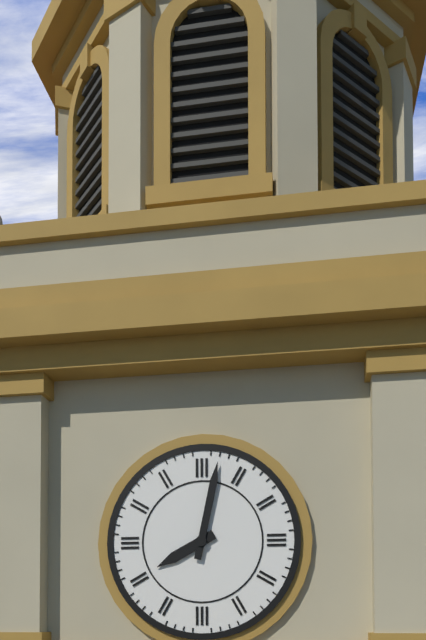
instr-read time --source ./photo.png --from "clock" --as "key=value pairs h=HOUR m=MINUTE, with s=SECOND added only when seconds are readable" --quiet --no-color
h=8 m=2
